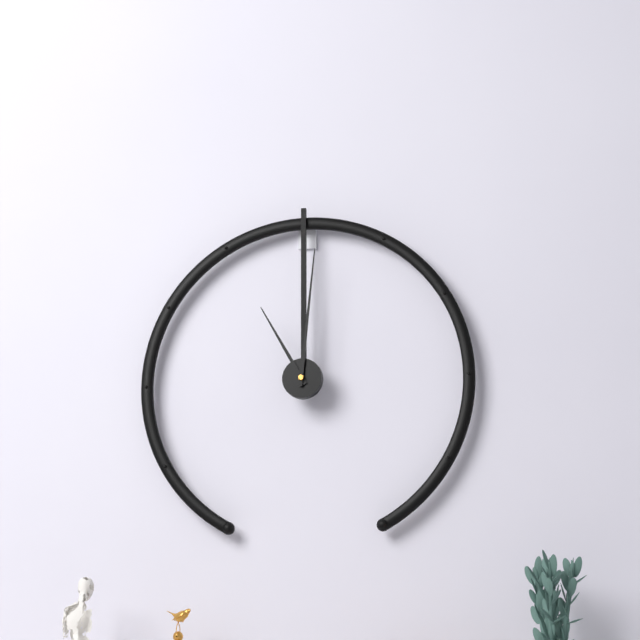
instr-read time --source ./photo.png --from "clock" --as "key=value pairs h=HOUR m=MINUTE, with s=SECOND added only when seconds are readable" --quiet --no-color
h=11 m=1
